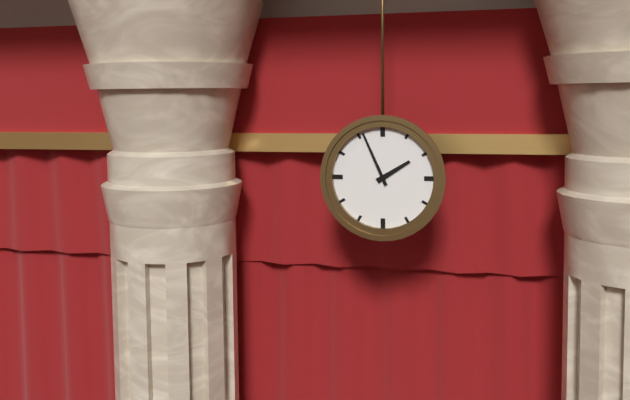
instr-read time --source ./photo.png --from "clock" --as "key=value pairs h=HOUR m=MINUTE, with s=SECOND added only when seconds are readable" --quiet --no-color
h=1 m=56
